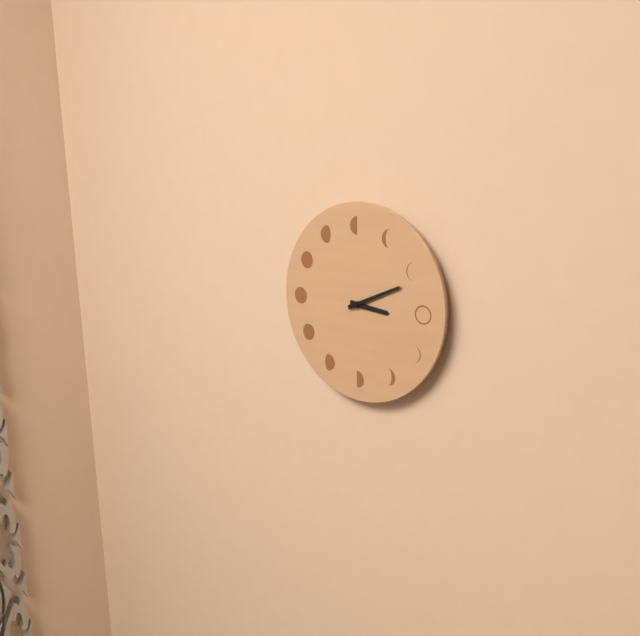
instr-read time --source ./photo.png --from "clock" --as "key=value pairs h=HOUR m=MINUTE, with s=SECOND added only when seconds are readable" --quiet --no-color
h=3 m=11
